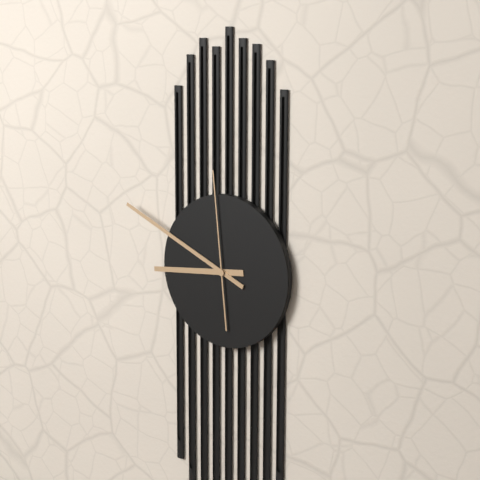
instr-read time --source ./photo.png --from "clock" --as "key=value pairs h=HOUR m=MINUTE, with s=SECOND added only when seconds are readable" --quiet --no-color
h=8 m=49 s=59
